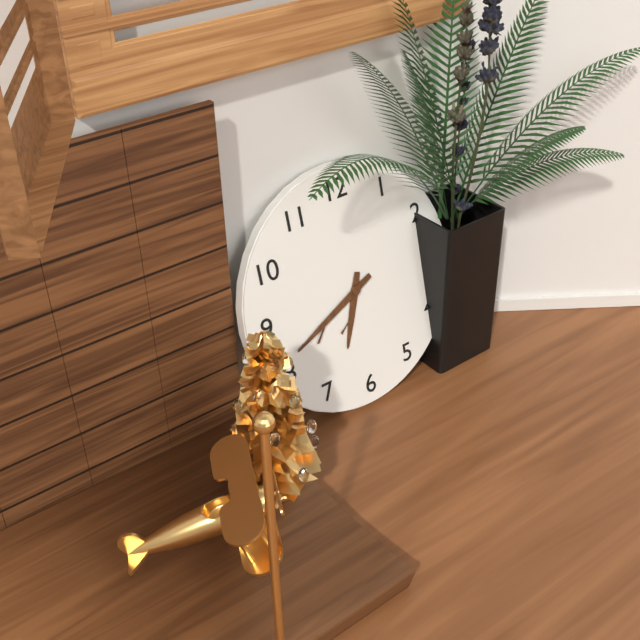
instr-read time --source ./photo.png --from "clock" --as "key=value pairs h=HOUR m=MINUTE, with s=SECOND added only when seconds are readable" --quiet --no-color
h=6 m=41
